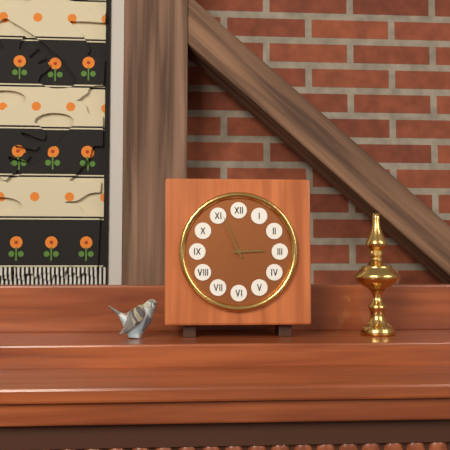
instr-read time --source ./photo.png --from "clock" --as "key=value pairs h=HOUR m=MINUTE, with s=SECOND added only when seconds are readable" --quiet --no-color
h=2 m=56
